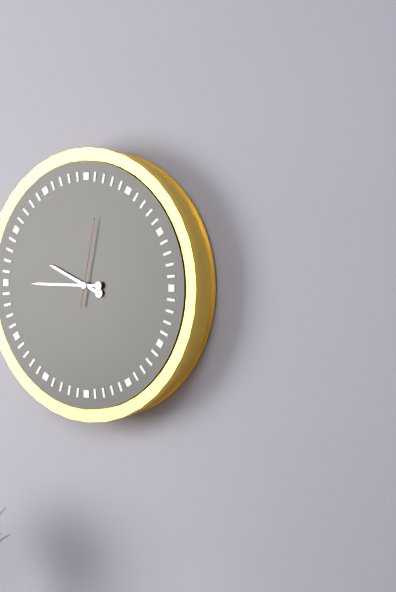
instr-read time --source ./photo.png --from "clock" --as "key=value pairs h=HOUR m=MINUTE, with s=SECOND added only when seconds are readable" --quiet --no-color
h=9 m=45 s=2
